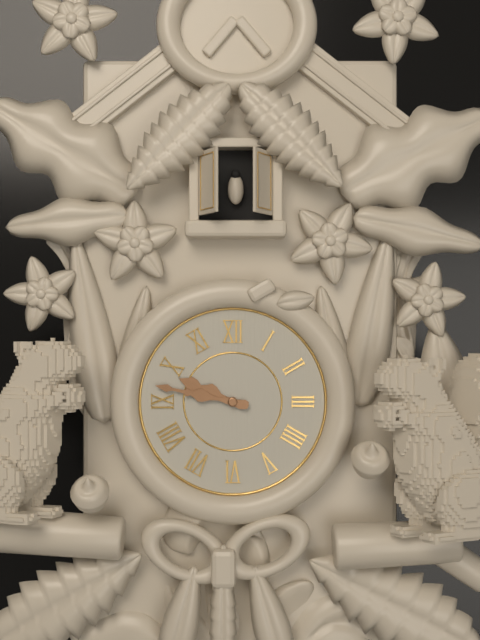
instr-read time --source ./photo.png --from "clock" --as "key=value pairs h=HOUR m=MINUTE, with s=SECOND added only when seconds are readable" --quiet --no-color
h=9 m=47
